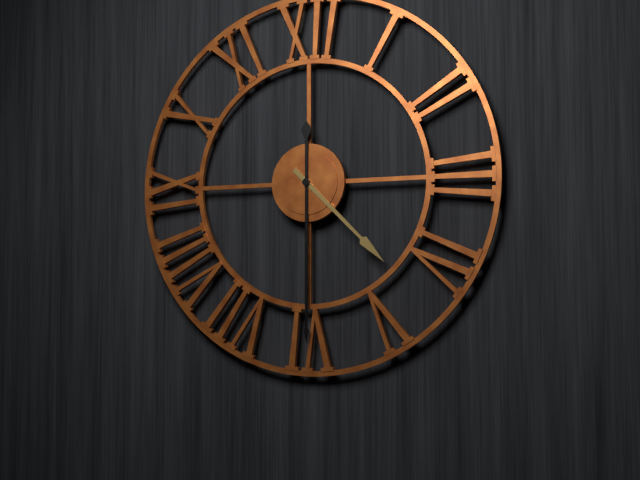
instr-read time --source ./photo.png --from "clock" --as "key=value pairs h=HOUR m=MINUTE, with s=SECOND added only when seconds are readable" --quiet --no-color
h=4 m=30
